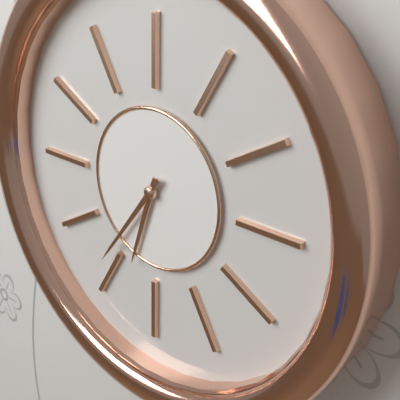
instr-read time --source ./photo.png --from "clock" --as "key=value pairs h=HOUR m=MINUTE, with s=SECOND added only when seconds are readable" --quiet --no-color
h=6 m=36
